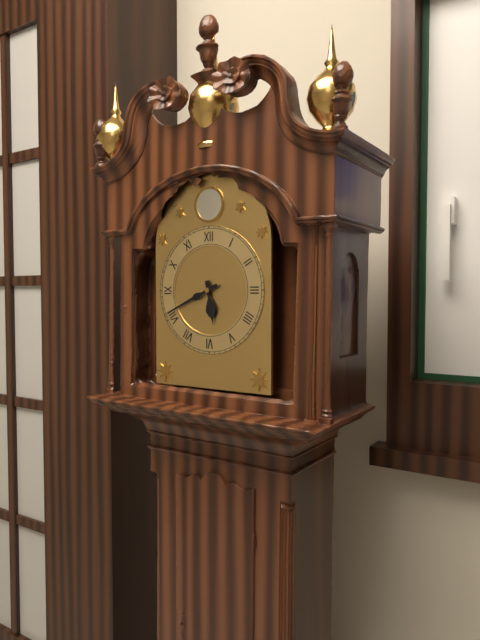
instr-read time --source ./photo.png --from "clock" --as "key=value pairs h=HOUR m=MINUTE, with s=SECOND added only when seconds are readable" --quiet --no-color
h=5 m=41
